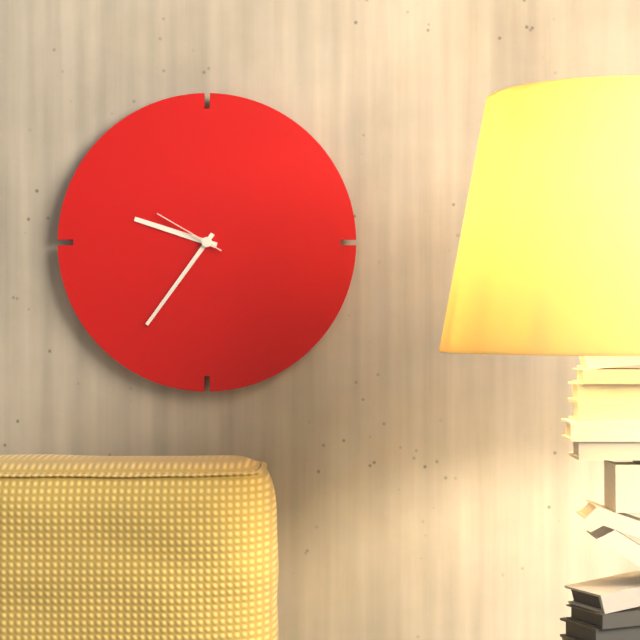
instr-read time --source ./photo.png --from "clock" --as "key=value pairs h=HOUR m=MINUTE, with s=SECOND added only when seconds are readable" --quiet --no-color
h=9 m=36 s=50
